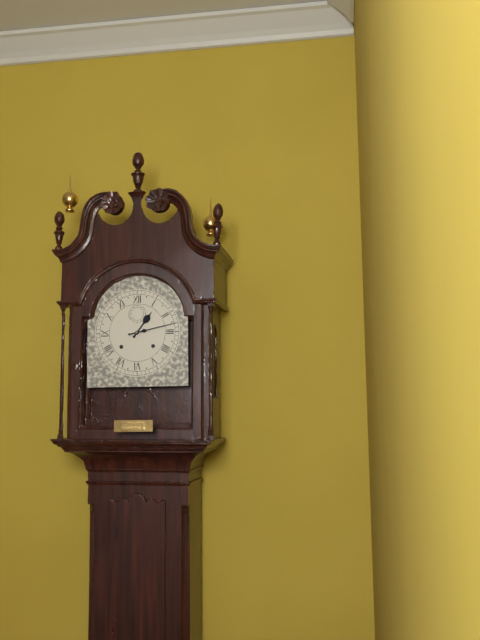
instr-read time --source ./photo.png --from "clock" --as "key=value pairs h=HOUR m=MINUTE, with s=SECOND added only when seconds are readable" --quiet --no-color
h=1 m=13
